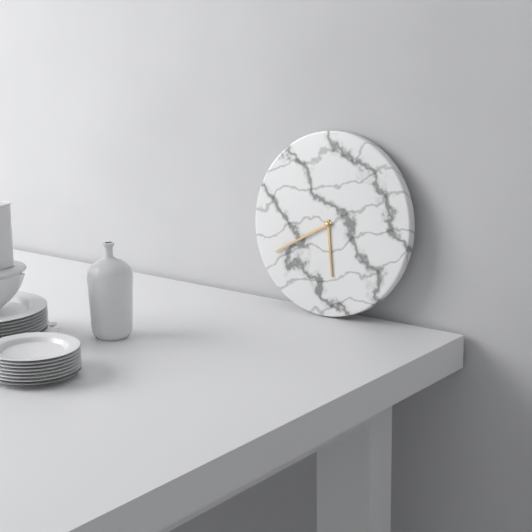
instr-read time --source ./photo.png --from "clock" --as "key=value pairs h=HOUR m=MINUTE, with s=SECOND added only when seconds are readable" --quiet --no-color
h=5 m=40
